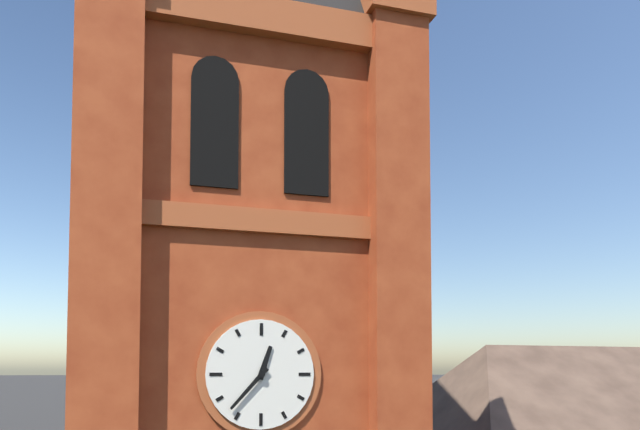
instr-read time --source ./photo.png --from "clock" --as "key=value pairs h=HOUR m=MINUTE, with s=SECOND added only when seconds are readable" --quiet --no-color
h=12 m=37
